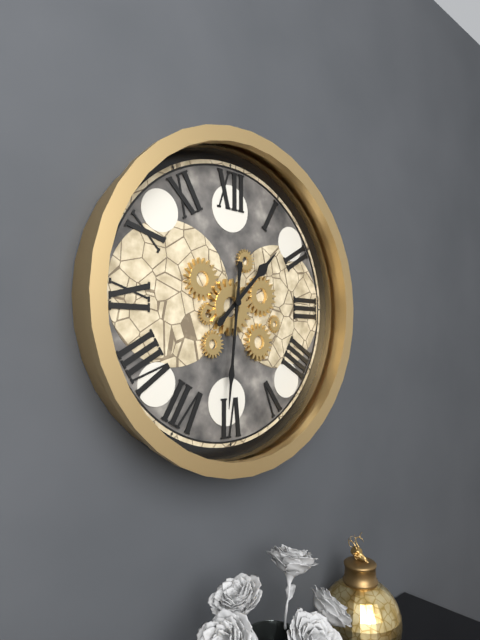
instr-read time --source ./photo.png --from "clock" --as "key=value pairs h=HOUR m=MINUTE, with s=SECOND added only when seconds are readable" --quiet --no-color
h=1 m=31
